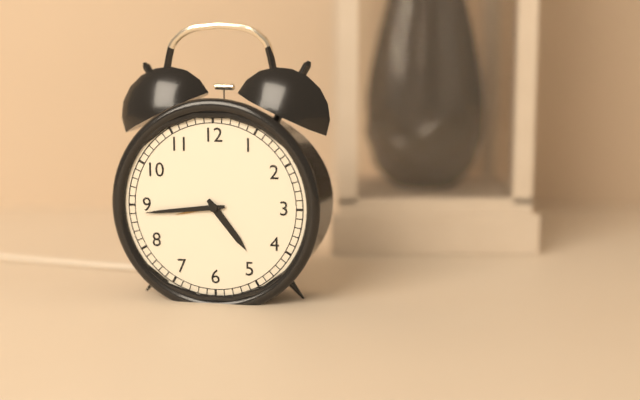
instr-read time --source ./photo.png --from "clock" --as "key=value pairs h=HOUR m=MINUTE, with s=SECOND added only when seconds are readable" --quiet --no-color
h=4 m=44
